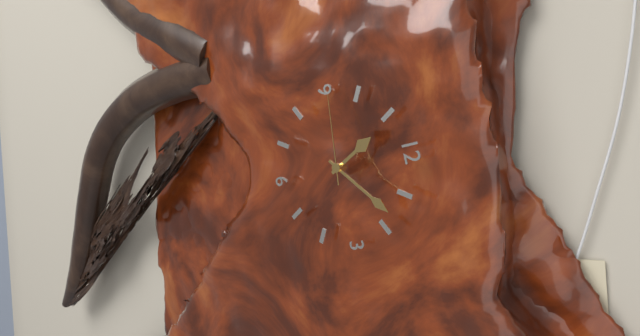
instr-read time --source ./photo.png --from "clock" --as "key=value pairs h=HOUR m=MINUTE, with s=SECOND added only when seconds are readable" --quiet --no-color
h=11 m=8 s=46
